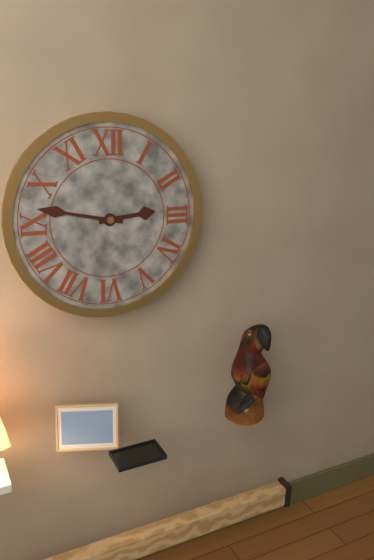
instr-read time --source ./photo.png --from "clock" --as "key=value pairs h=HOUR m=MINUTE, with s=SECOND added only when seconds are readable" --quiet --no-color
h=2 m=47
